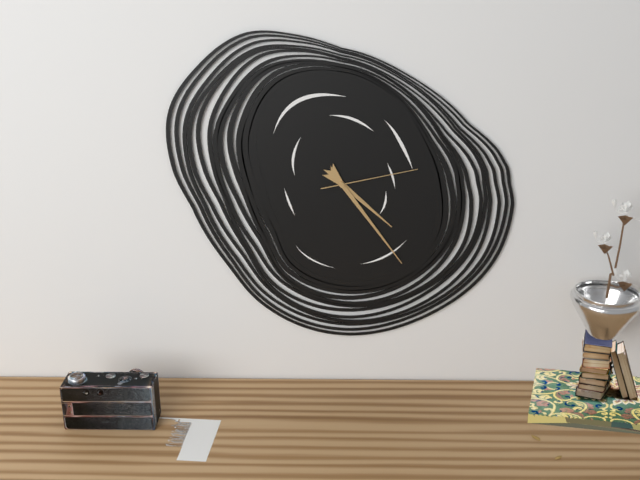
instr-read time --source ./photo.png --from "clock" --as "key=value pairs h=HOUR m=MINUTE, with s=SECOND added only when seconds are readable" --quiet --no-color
h=4 m=24 s=13
